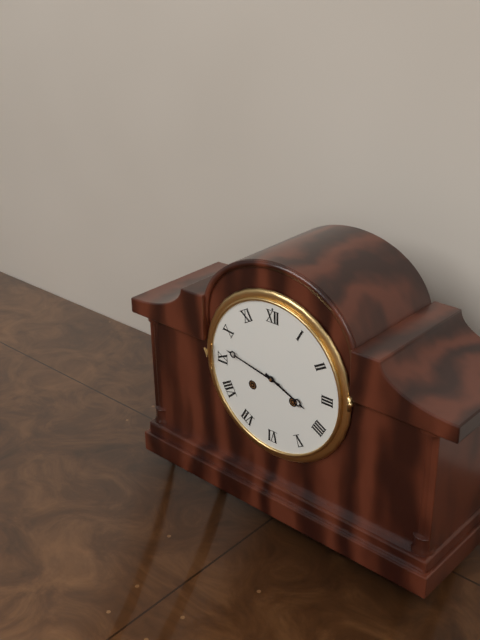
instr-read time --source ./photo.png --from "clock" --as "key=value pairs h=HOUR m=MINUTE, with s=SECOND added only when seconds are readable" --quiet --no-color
h=3 m=47
